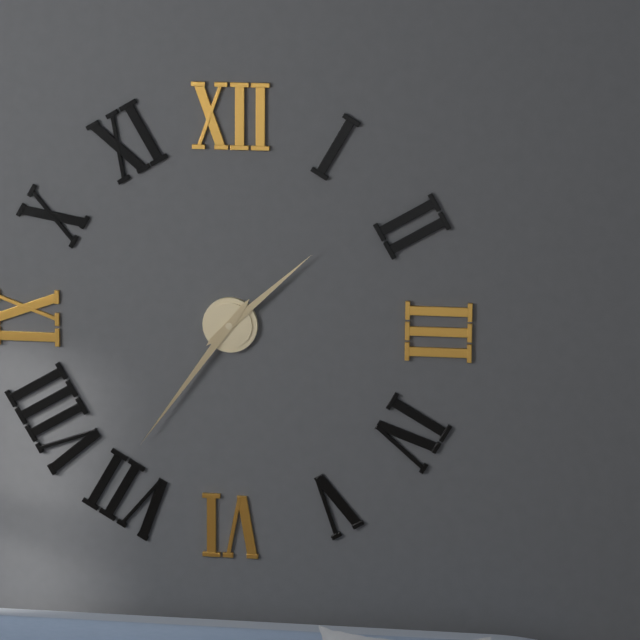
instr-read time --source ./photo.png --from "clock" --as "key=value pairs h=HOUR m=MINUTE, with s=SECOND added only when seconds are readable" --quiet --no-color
h=1 m=36
